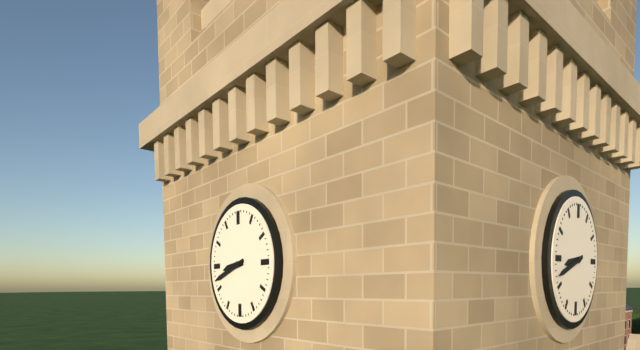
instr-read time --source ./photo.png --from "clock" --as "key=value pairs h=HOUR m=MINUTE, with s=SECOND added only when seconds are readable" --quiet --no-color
h=8 m=42
